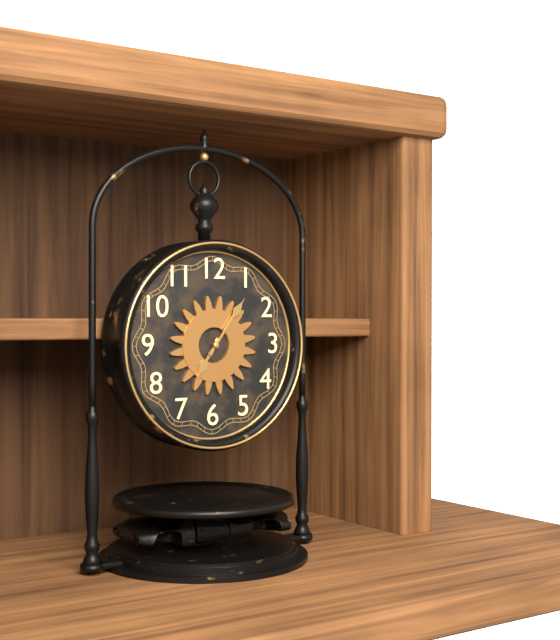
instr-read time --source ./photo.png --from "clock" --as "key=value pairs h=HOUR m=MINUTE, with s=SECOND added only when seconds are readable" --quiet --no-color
h=7 m=6
